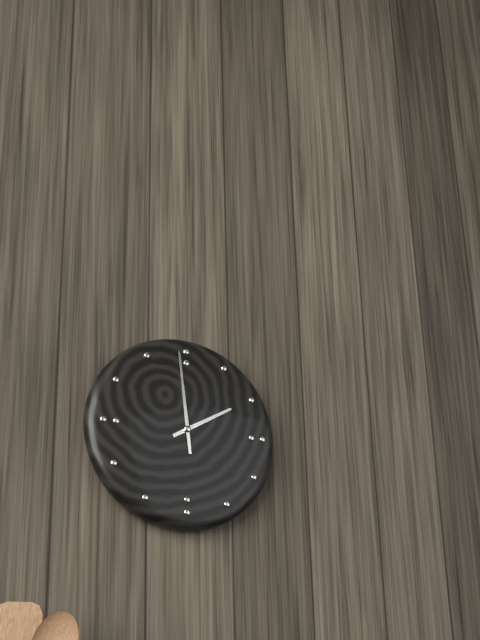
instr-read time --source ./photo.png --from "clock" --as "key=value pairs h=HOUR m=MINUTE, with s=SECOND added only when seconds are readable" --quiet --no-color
h=1 m=59
